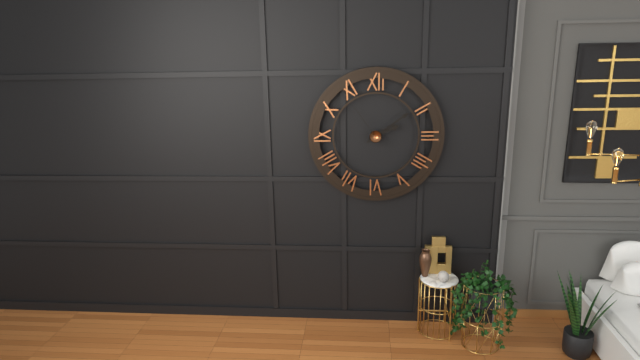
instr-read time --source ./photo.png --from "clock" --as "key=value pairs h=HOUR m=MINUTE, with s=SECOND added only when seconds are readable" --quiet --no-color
h=2 m=9
